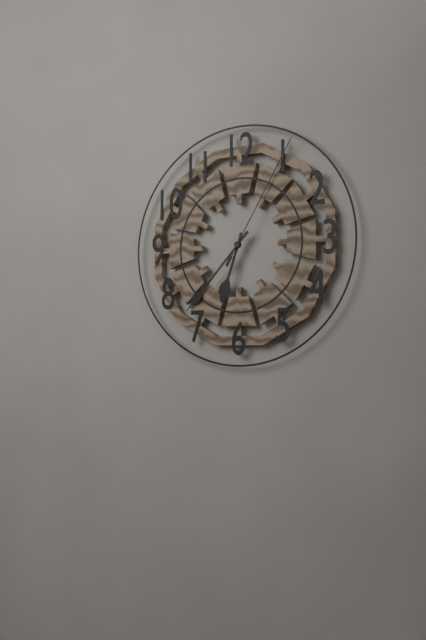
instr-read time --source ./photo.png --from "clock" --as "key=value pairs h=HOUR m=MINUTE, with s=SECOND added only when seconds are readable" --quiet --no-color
h=6 m=37 s=5
